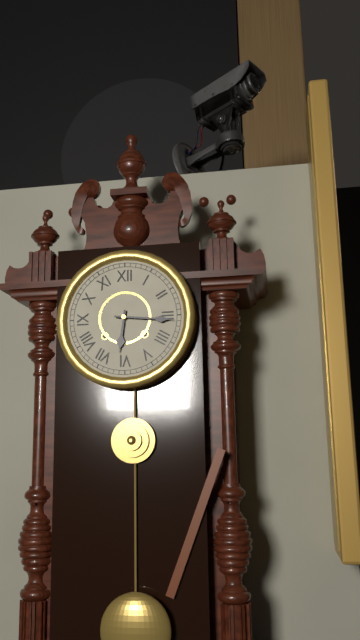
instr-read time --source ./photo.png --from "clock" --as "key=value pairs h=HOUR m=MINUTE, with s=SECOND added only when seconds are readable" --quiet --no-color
h=6 m=16
